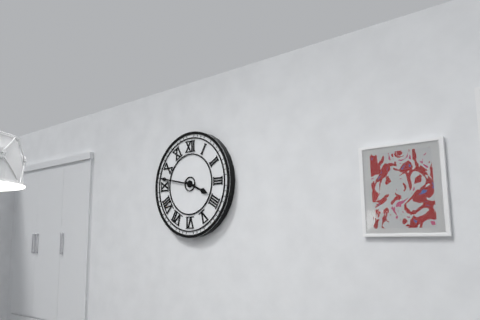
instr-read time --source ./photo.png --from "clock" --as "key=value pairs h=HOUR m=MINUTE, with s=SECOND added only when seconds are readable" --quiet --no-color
h=3 m=47
